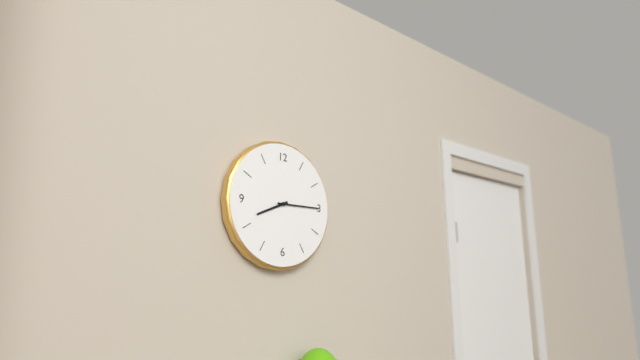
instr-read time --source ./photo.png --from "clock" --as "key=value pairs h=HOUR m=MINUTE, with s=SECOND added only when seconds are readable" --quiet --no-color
h=8 m=15
